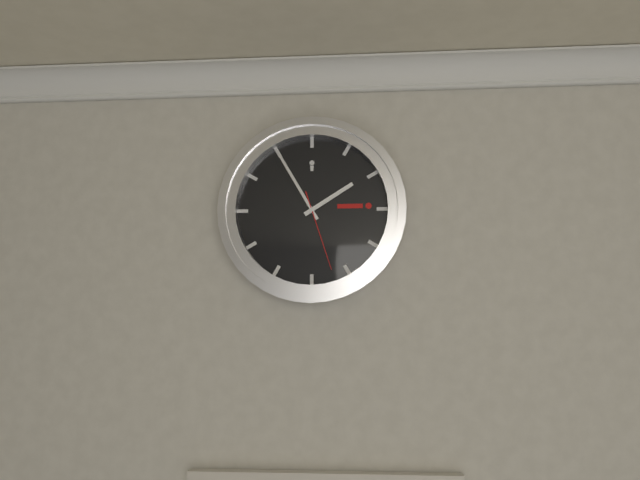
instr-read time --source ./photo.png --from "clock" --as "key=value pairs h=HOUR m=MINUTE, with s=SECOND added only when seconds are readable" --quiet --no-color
h=1 m=55 s=27
